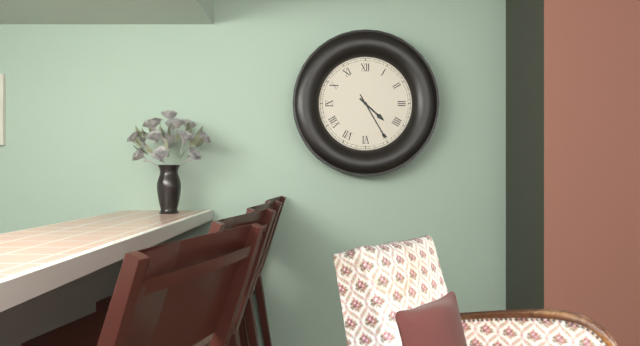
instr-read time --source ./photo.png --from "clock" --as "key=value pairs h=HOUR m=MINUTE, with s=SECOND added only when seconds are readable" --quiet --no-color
h=4 m=25
